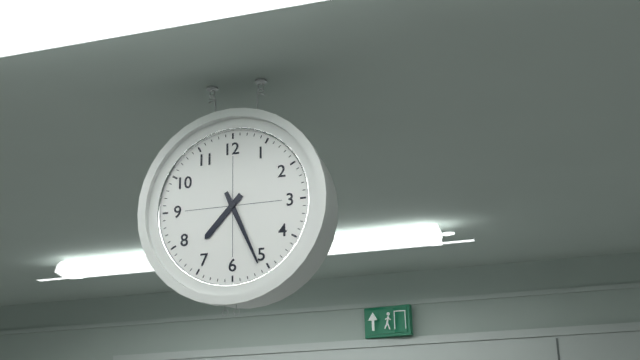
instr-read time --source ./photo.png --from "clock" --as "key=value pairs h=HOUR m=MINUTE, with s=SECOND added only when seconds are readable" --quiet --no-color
h=7 m=26
